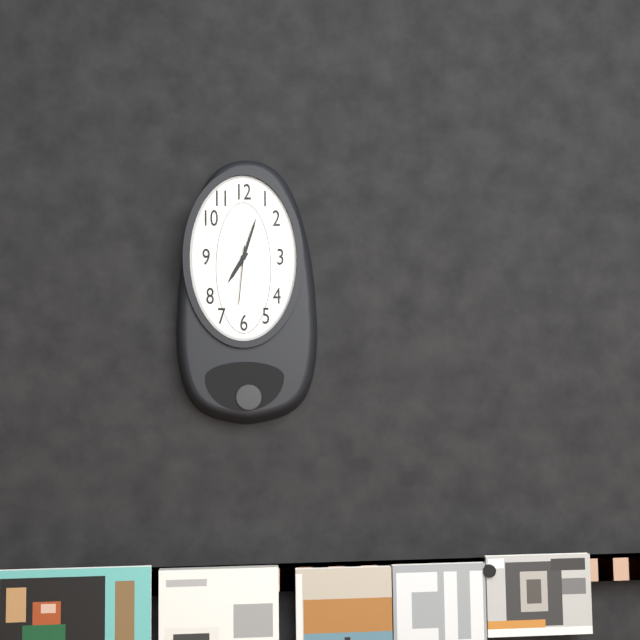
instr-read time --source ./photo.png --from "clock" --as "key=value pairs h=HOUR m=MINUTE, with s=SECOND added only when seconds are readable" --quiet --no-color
h=7 m=3 s=31
